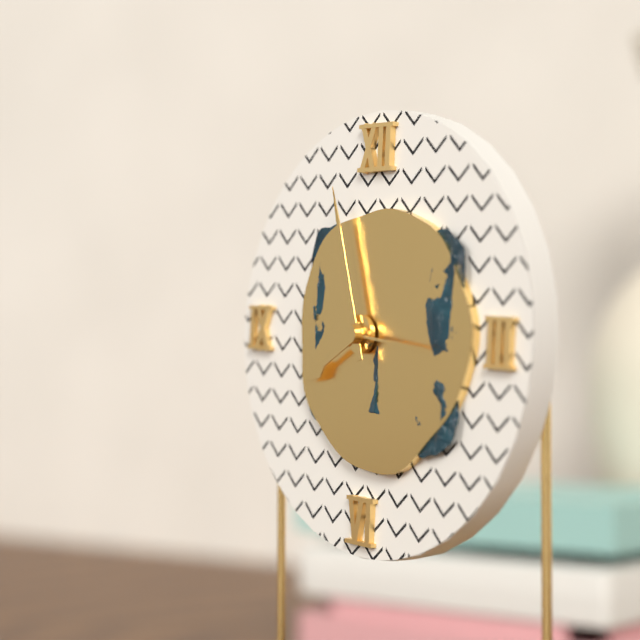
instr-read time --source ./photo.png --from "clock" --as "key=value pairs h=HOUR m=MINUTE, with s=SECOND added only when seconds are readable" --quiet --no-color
h=7 m=57 s=16
